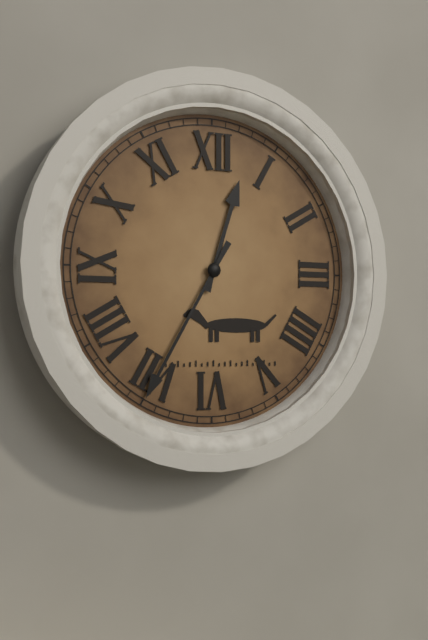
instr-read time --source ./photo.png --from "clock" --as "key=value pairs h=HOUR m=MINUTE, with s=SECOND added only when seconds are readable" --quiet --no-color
h=12 m=35
